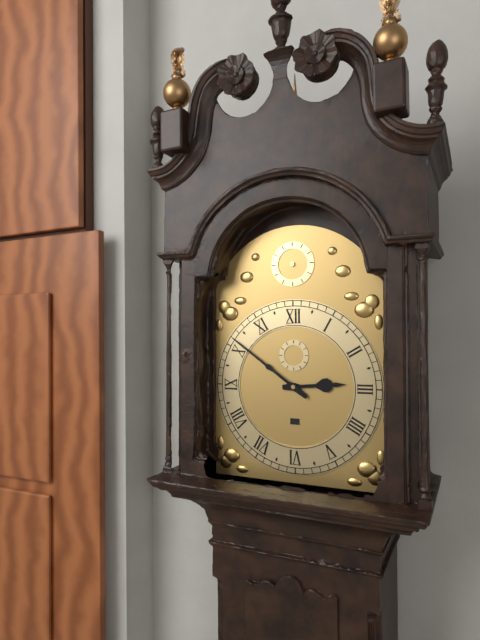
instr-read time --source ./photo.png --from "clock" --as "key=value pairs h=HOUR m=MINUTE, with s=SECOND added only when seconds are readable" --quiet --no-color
h=2 m=51
